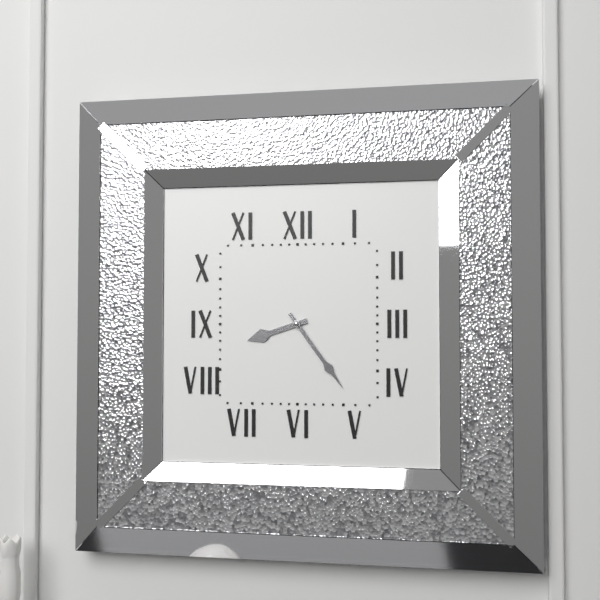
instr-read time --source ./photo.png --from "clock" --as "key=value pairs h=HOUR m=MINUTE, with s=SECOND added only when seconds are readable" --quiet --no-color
h=8 m=24
